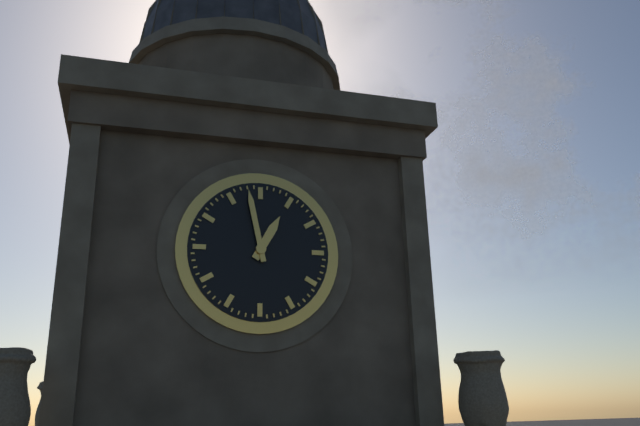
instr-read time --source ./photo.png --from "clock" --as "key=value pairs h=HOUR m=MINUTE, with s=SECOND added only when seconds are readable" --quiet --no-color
h=12 m=58
